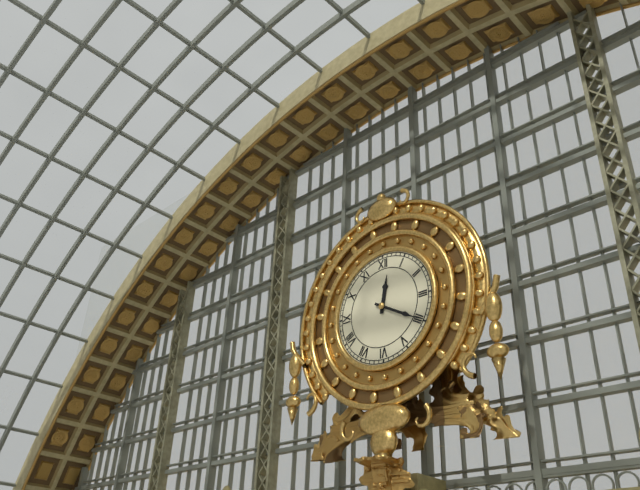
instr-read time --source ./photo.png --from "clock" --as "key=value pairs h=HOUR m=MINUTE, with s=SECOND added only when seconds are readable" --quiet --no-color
h=12 m=20
